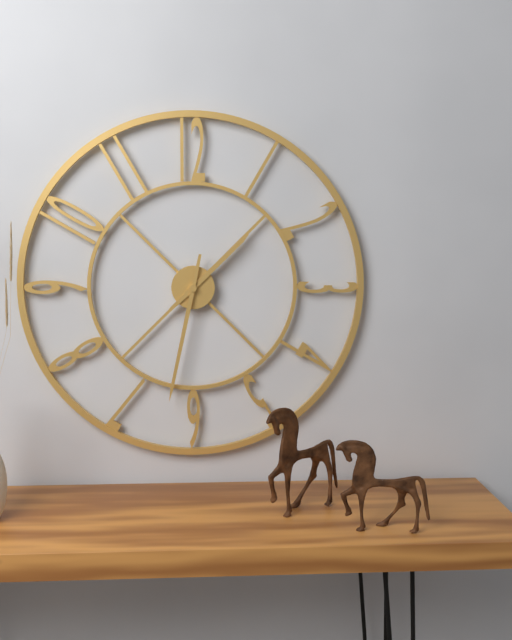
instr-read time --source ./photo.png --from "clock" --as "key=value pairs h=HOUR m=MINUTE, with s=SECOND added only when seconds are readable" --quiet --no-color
h=1 m=32
